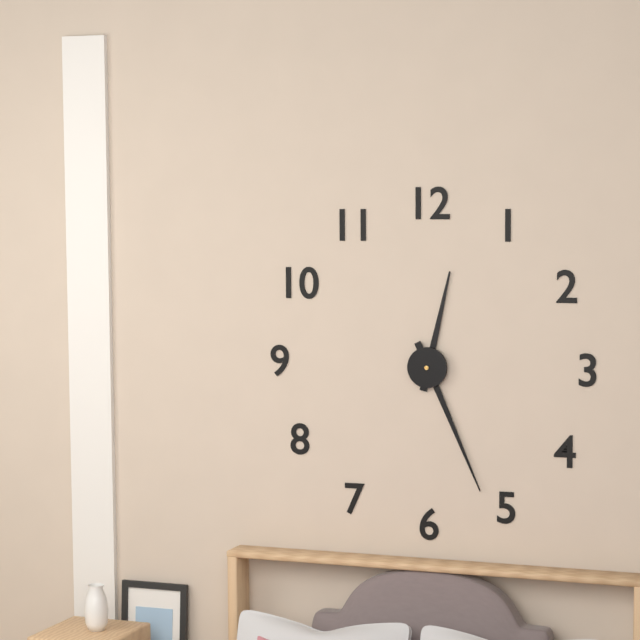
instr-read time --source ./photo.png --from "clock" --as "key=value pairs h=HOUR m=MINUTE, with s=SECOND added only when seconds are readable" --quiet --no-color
h=12 m=26
